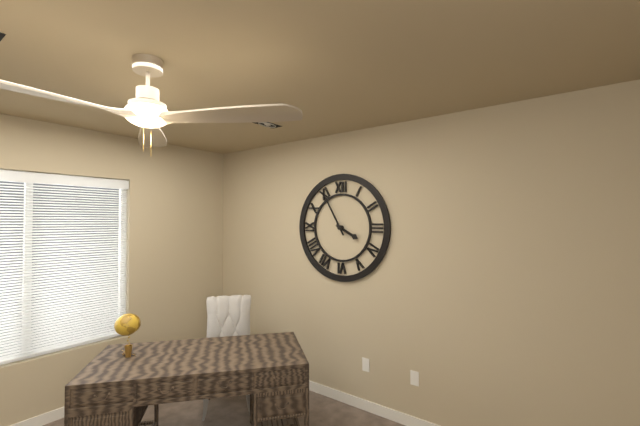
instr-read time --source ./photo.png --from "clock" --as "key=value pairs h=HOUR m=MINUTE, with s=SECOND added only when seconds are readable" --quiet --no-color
h=3 m=55
